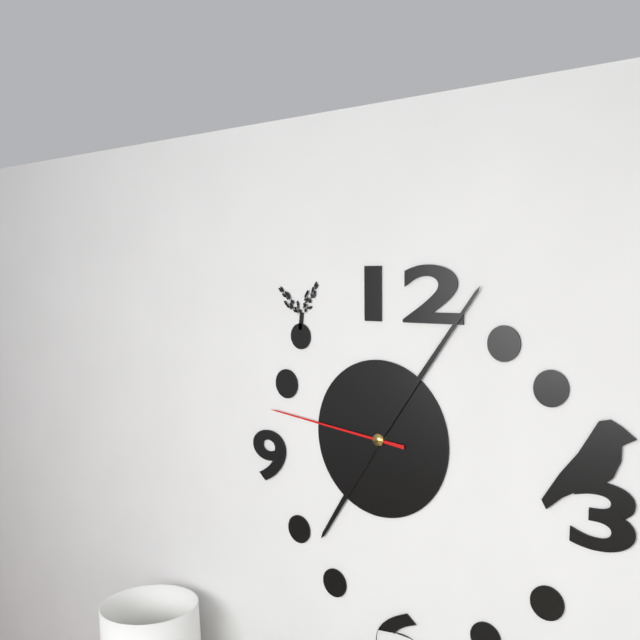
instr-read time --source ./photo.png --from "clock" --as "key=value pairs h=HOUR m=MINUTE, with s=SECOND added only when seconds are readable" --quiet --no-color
h=7 m=6 s=46
